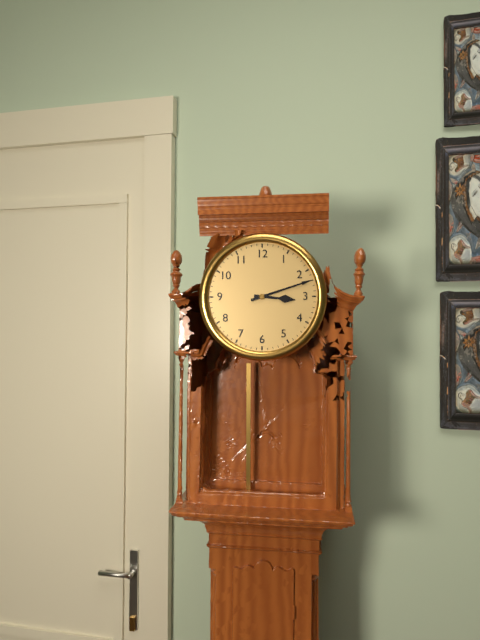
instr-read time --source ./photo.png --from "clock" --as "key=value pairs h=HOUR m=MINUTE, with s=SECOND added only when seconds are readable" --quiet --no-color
h=3 m=12
